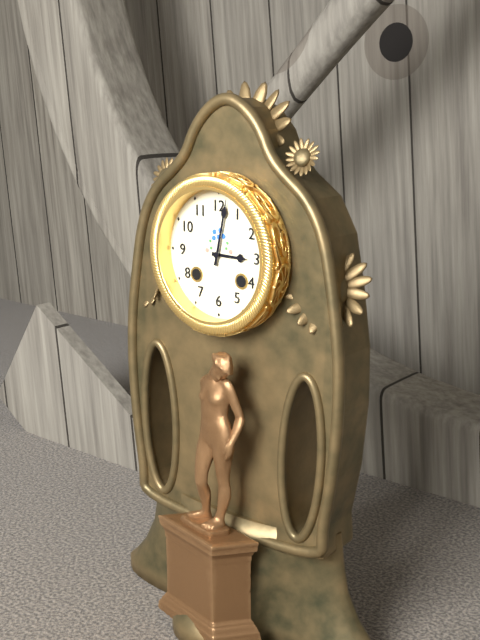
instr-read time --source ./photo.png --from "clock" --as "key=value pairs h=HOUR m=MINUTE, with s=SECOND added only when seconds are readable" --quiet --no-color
h=3 m=2
